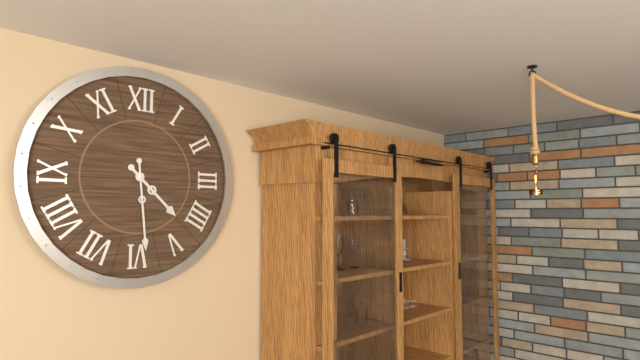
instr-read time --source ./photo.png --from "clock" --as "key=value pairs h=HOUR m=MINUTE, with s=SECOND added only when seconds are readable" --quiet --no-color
h=4 m=29
